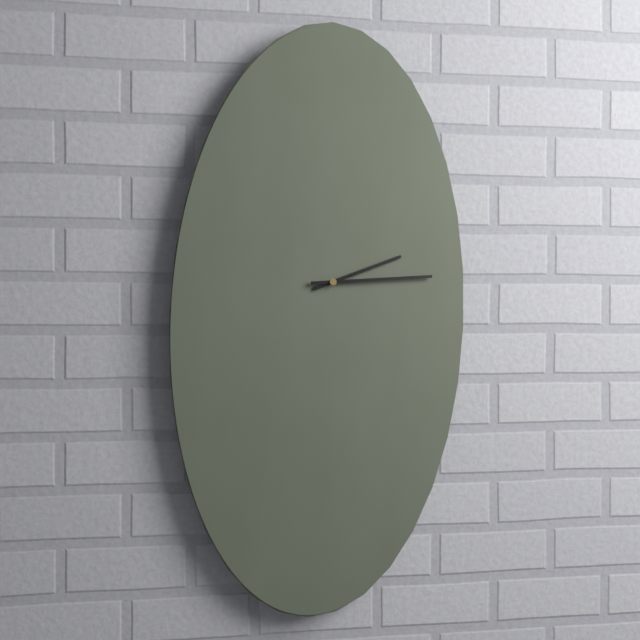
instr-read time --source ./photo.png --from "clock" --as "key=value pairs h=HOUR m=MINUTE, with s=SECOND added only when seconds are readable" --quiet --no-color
h=2 m=14
